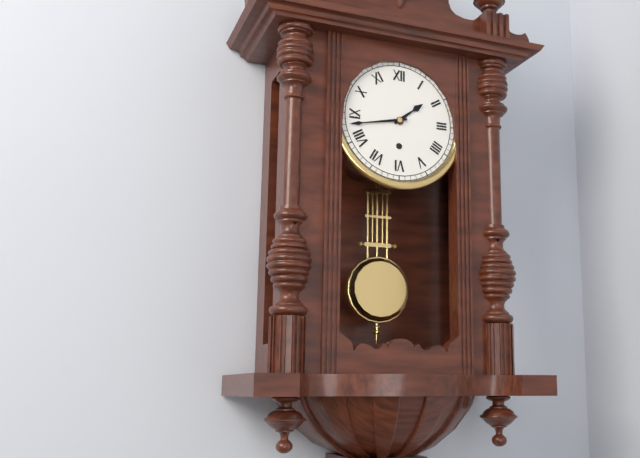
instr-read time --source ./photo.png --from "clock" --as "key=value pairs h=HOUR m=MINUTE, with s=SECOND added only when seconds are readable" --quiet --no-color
h=1 m=43
